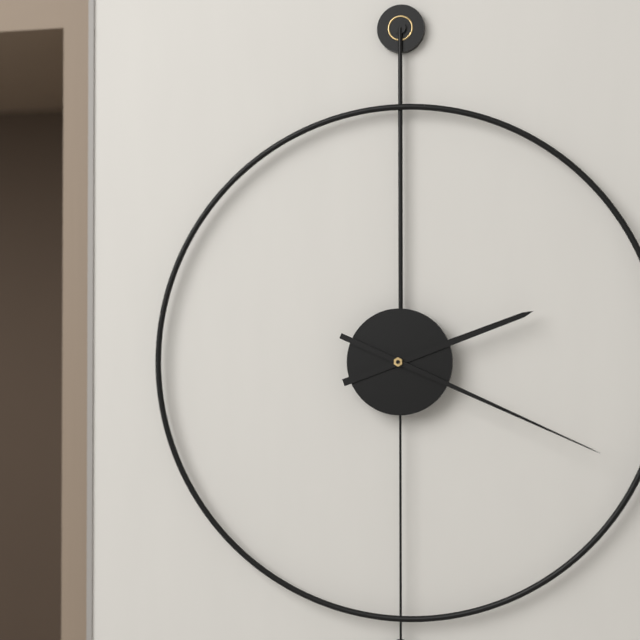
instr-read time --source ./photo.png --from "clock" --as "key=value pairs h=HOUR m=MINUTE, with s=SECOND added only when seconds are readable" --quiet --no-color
h=2 m=19
